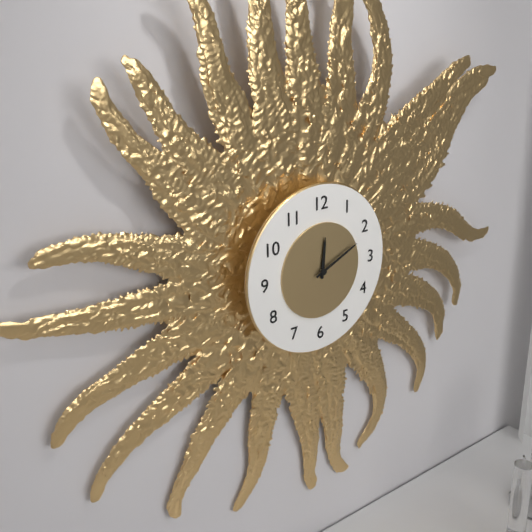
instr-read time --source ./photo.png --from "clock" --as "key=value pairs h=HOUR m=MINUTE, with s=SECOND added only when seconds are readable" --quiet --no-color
h=12 m=11
